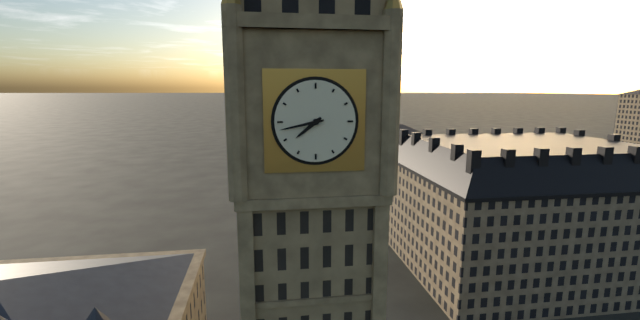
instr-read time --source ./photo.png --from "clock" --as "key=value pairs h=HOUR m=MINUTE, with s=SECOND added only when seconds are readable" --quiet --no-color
h=7 m=43
